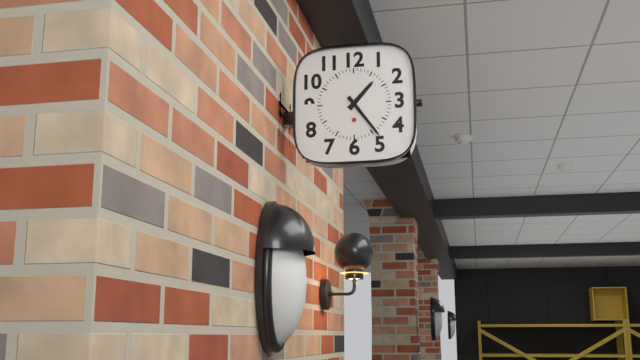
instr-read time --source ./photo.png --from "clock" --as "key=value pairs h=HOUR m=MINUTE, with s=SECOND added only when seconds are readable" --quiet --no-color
h=1 m=24
